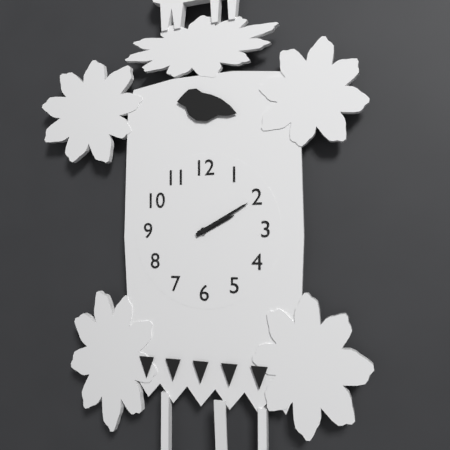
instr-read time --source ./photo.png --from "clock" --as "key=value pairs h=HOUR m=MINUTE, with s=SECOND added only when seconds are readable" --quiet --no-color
h=2 m=10
